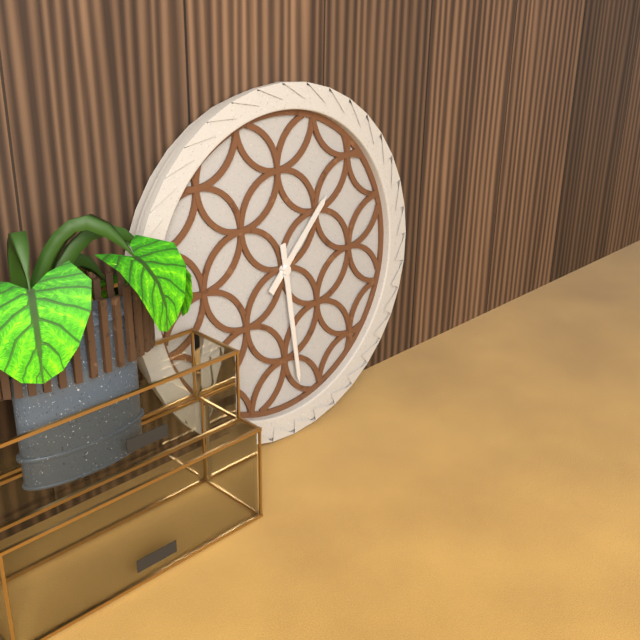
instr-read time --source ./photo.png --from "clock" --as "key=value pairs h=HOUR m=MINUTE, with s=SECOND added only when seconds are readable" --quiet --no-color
h=1 m=29
